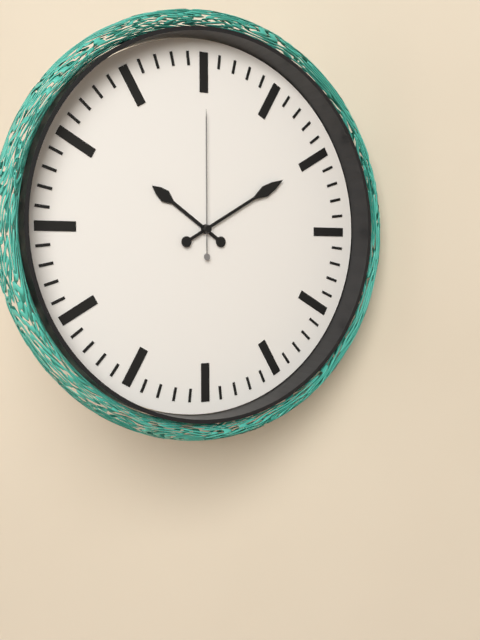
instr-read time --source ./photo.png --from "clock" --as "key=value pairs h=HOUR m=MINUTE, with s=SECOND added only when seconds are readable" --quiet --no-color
h=10 m=10 s=0
